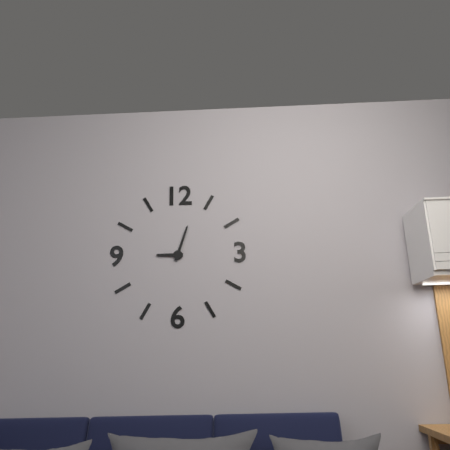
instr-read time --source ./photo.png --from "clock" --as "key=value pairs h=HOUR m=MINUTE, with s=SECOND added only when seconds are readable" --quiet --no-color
h=9 m=3
